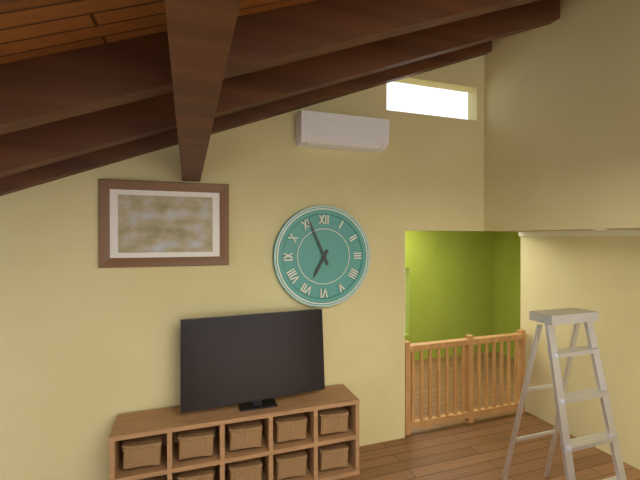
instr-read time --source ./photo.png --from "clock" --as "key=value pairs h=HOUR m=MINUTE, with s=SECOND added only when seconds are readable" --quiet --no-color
h=6 m=56
